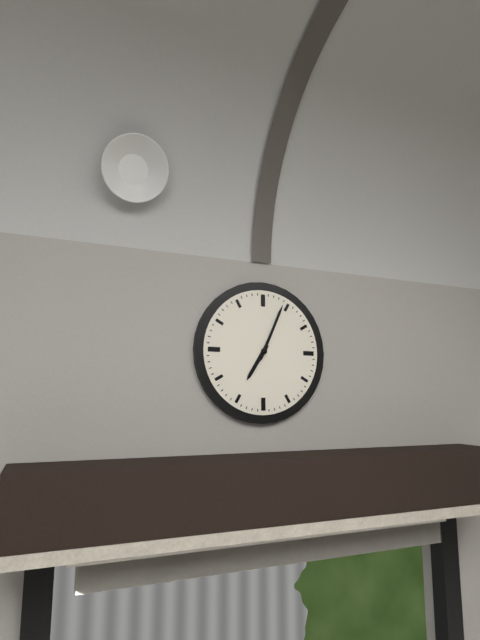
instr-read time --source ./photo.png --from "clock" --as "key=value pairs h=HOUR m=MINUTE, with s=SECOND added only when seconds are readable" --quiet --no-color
h=7 m=4
